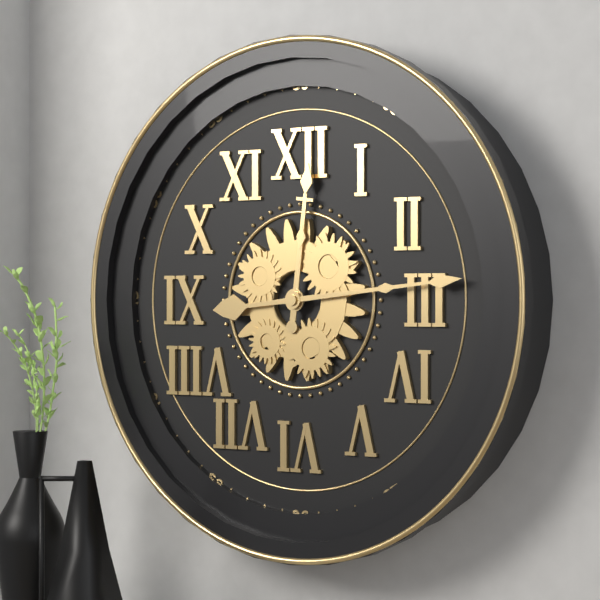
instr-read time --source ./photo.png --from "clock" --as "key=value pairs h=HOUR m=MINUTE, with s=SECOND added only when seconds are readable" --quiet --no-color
h=12 m=14
